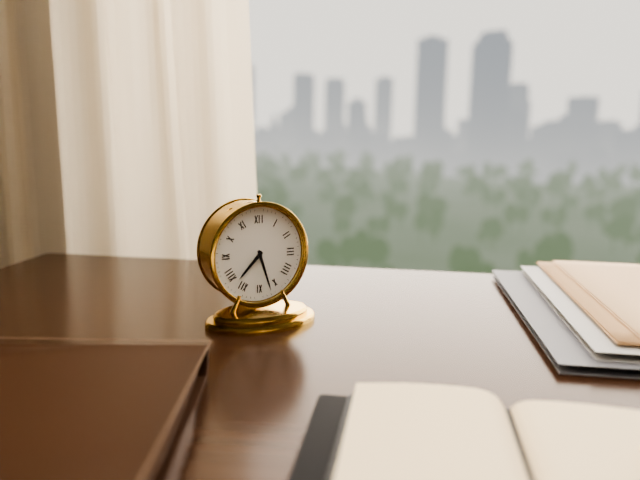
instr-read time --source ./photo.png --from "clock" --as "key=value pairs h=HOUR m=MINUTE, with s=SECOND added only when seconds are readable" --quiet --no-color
h=7 m=27
